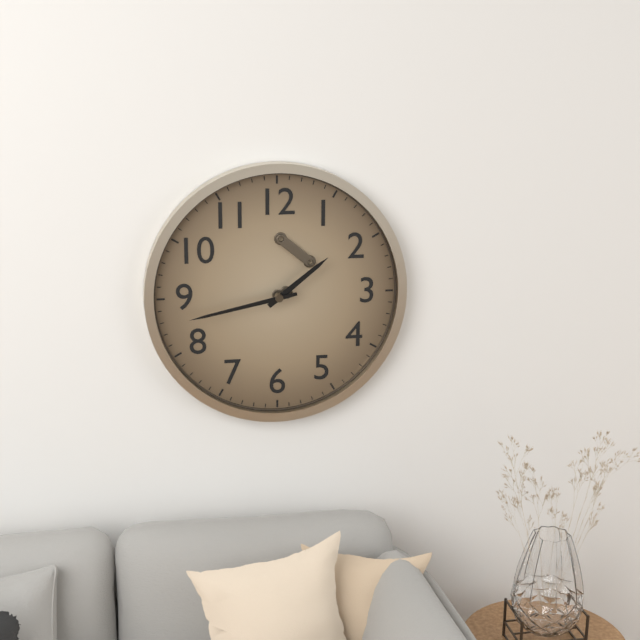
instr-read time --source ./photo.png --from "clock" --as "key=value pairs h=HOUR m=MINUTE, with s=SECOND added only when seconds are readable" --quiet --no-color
h=1 m=43
